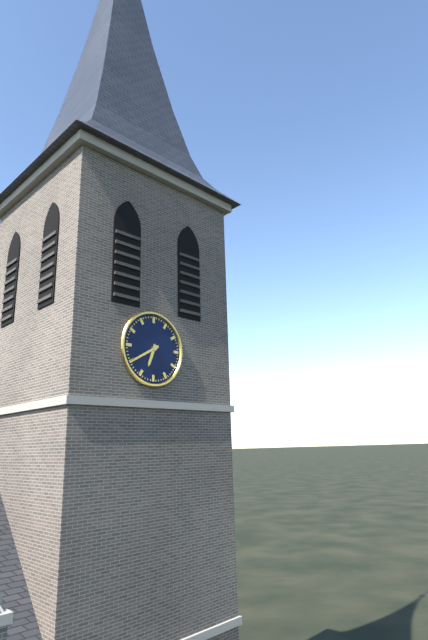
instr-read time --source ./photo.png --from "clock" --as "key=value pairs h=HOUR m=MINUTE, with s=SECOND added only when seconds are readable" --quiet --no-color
h=6 m=40
